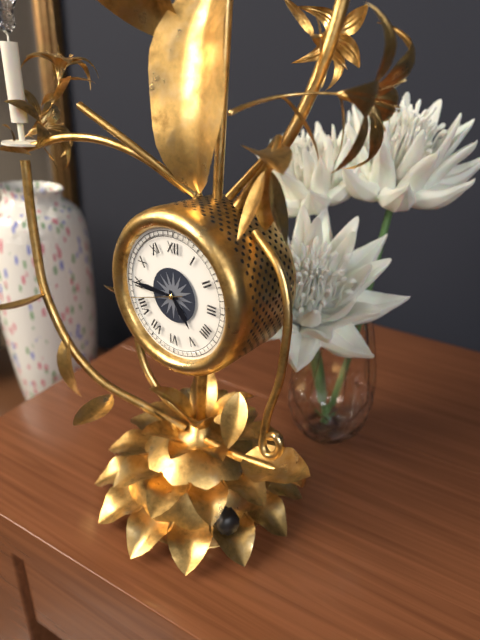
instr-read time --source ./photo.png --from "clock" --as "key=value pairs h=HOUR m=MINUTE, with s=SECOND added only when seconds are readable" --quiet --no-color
h=4 m=45 s=42
